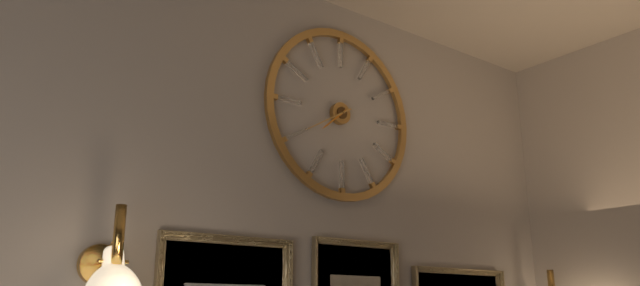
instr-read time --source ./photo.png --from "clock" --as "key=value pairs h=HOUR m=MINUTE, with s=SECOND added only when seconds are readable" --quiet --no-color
h=7 m=40
